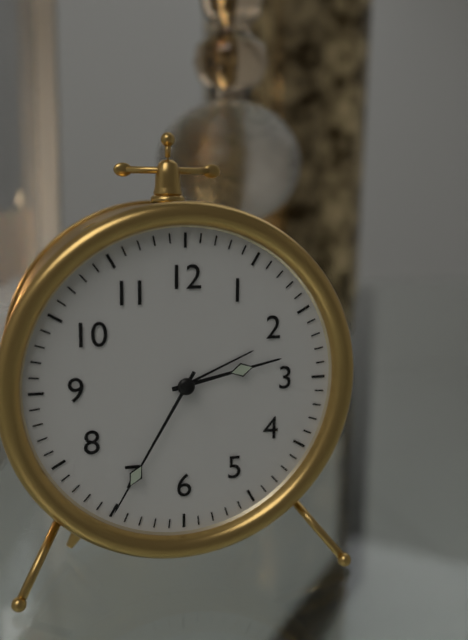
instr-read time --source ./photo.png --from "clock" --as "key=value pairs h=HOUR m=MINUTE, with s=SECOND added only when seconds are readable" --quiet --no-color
h=2 m=35
